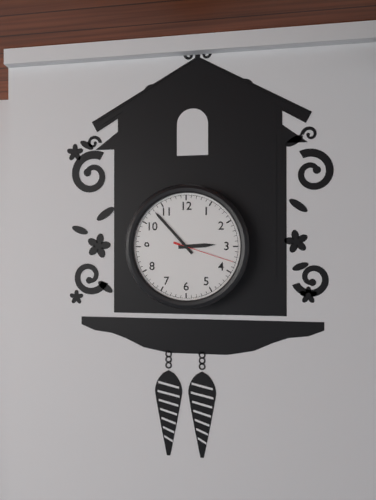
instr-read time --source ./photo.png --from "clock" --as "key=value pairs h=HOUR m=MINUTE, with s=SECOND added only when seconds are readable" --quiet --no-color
h=2 m=53 s=18
